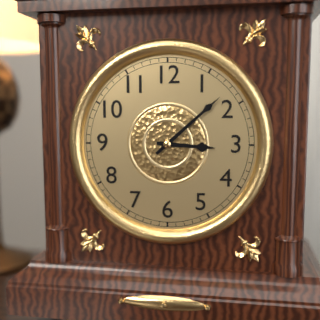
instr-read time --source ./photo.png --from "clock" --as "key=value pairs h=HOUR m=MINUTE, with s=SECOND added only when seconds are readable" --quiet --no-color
h=3 m=8
